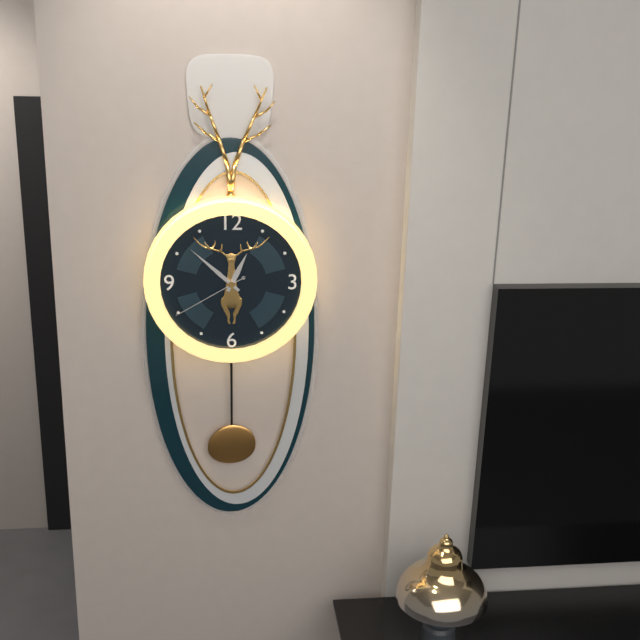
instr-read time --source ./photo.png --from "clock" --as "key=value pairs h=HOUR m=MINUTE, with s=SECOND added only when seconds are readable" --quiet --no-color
h=12 m=52 s=40
